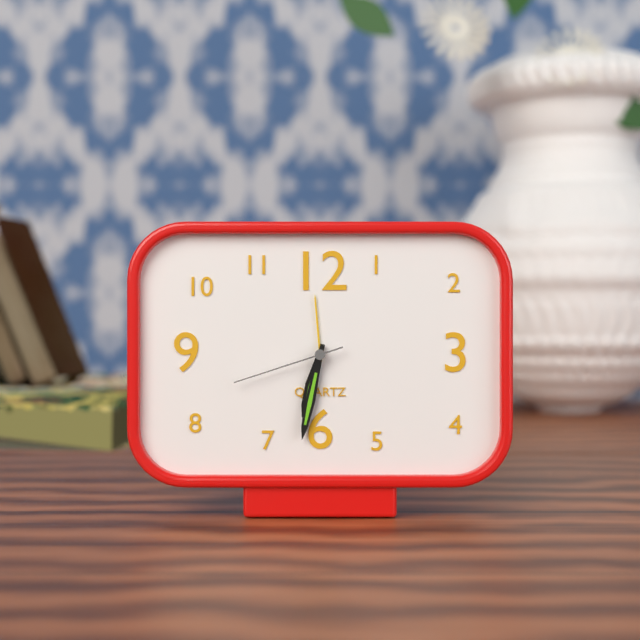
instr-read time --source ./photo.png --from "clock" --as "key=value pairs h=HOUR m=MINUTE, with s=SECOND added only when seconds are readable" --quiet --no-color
h=6 m=32 s=42
